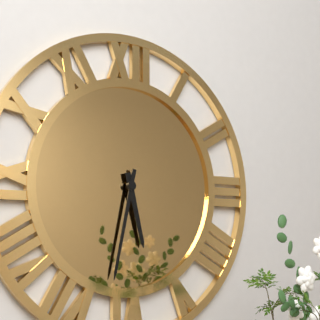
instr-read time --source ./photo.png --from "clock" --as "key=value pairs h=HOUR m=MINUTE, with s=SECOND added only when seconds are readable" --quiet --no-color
h=5 m=32
